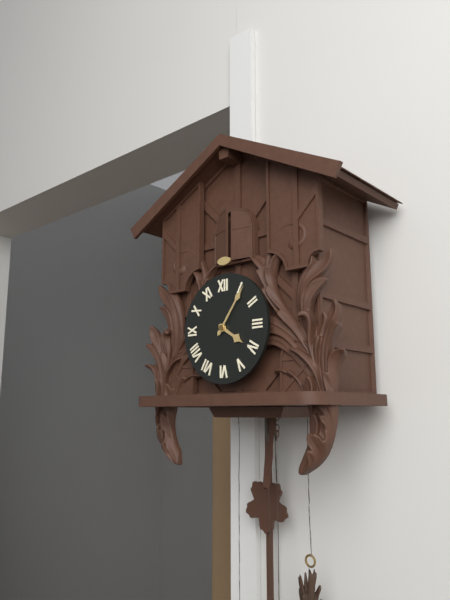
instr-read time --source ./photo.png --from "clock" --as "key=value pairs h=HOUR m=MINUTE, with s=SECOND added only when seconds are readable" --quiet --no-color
h=4 m=6
